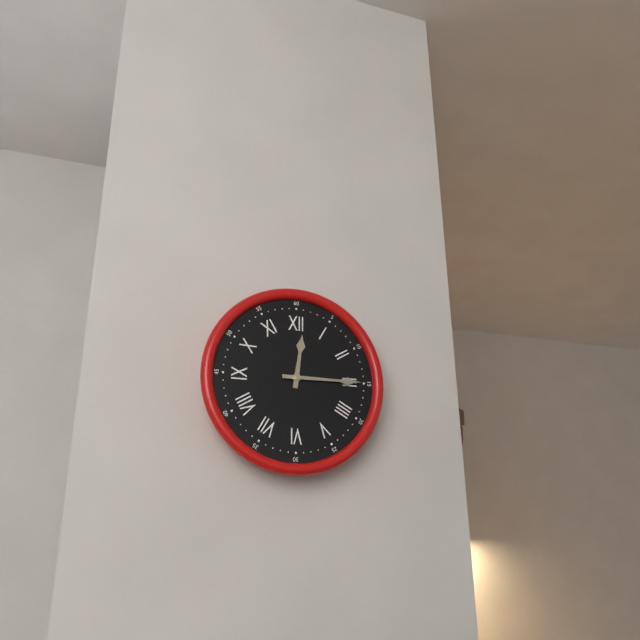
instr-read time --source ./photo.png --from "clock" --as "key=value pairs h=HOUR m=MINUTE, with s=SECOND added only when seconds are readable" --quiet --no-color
h=12 m=15
